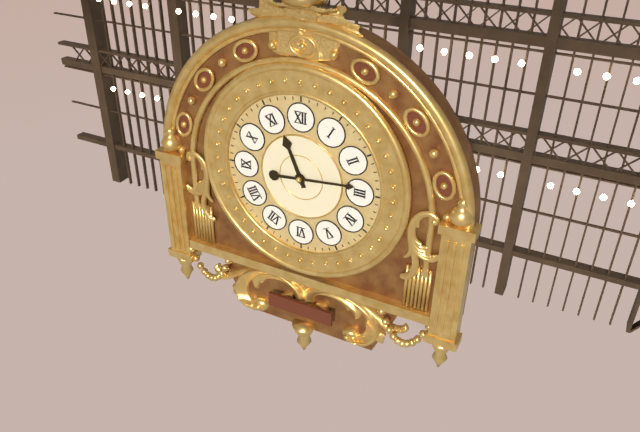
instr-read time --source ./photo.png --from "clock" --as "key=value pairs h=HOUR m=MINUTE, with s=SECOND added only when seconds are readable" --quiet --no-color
h=11 m=14
